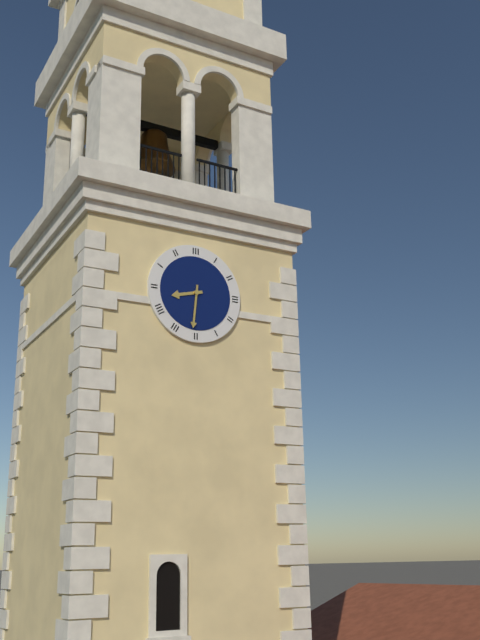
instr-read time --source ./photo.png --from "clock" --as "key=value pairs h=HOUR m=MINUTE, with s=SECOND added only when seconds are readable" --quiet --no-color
h=8 m=31
